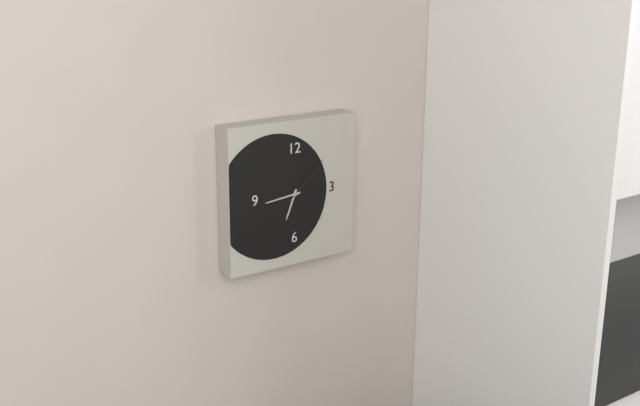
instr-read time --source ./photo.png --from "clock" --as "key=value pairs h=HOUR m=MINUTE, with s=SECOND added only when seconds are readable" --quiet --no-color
h=6 m=44 s=8
